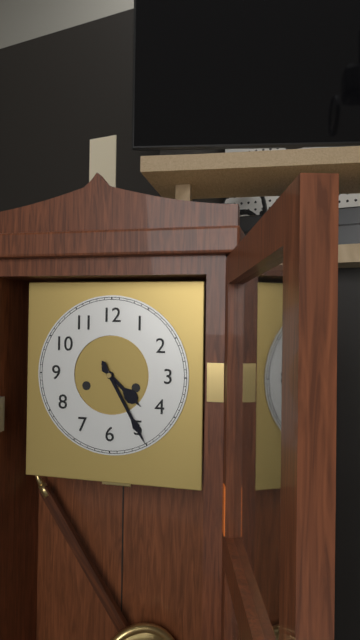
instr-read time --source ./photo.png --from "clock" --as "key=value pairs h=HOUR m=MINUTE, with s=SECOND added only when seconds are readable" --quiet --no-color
h=4 m=25
